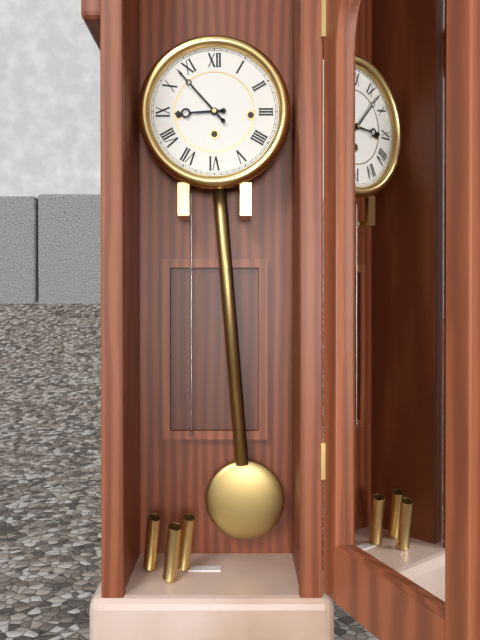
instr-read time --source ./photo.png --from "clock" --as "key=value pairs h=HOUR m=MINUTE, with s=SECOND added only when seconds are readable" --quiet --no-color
h=8 m=53
